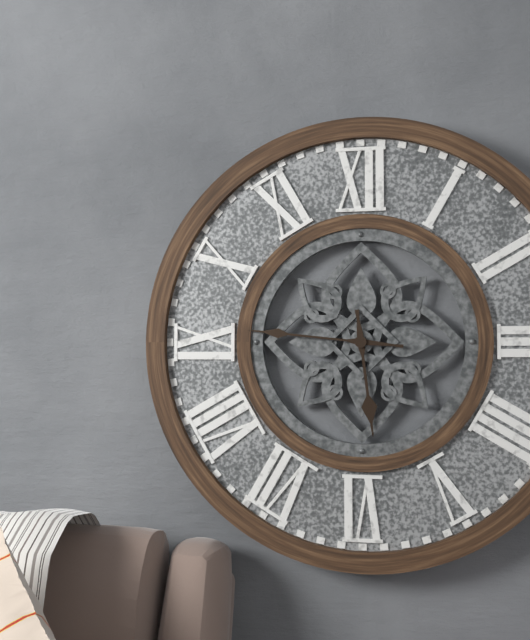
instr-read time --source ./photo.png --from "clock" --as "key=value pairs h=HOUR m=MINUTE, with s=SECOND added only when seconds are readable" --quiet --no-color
h=5 m=46
